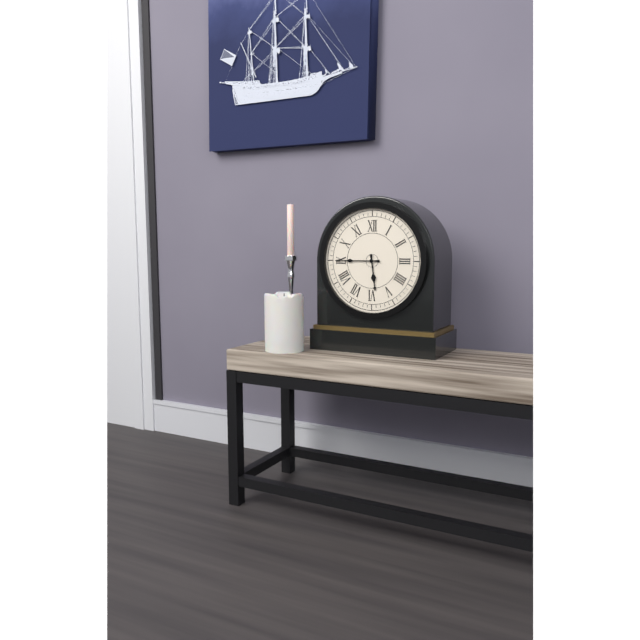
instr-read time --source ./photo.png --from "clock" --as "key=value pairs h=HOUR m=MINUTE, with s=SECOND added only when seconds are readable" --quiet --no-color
h=5 m=45
